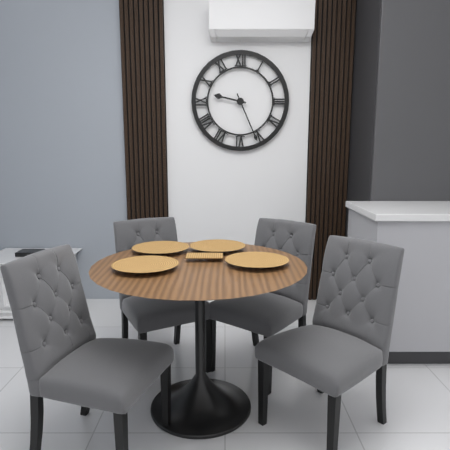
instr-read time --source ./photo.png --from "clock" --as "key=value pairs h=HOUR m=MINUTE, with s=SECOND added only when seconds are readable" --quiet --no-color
h=9 m=26
